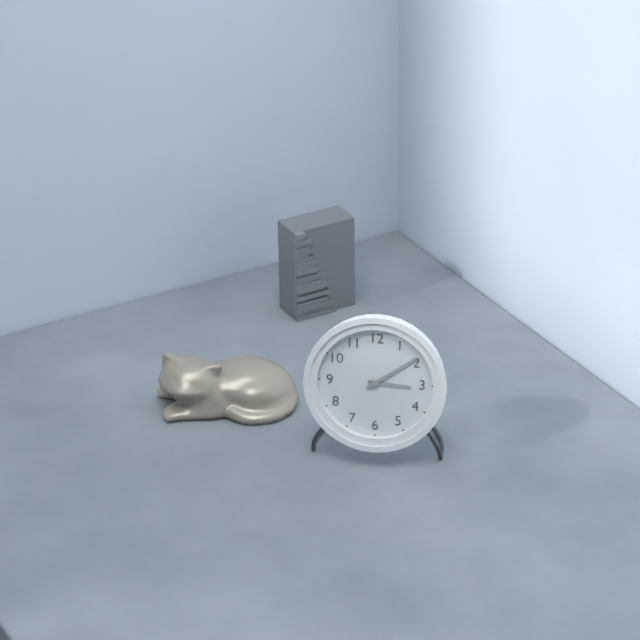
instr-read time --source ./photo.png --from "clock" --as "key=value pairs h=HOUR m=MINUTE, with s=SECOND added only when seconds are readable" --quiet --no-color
h=3 m=9
